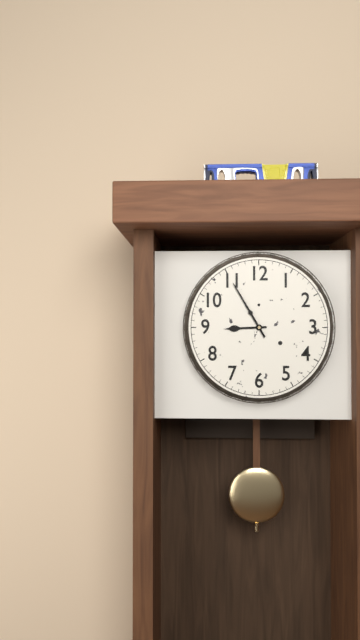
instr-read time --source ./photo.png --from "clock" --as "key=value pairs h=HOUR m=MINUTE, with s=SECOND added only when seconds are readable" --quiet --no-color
h=8 m=55
